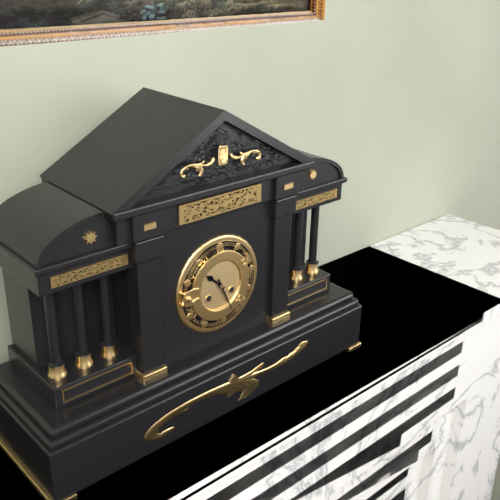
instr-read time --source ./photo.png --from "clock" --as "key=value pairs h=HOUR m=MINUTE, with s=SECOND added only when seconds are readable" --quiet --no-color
h=10 m=26
